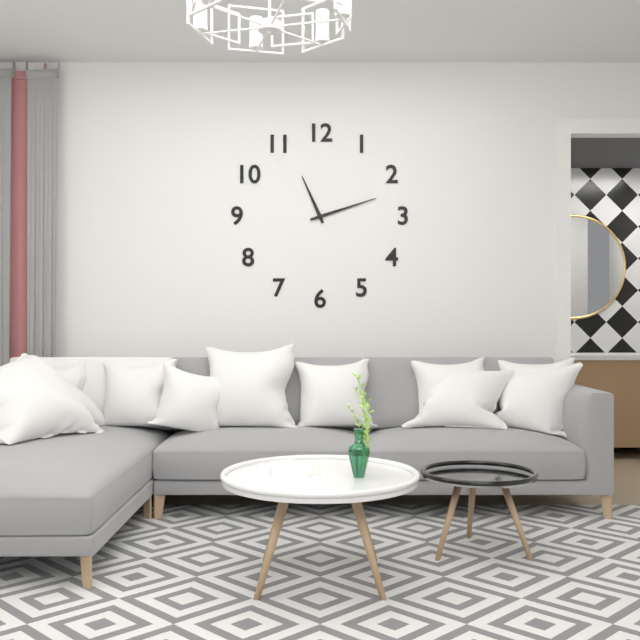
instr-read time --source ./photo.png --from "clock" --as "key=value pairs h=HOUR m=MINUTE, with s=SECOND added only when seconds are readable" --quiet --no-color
h=11 m=12
